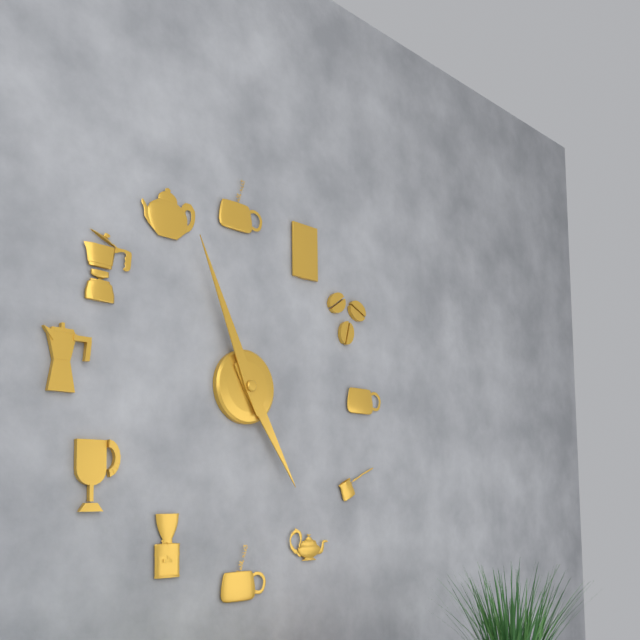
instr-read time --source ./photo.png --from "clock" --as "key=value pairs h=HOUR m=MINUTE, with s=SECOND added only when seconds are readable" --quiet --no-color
h=4 m=56
